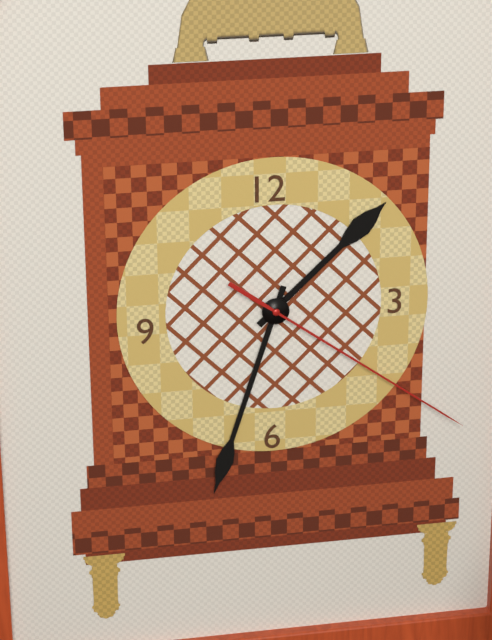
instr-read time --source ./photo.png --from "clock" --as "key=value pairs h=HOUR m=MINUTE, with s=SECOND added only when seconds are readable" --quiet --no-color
h=1 m=33 s=21
